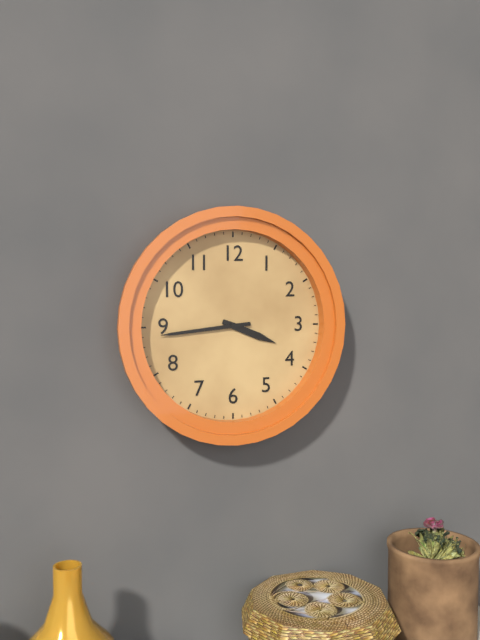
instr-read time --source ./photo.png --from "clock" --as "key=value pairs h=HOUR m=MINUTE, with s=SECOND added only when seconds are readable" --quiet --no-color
h=3 m=44
